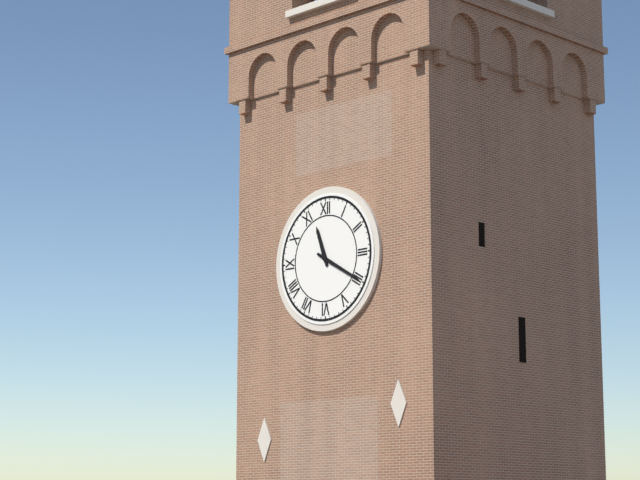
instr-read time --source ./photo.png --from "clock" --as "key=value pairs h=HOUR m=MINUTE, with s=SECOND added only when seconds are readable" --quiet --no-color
h=11 m=20
